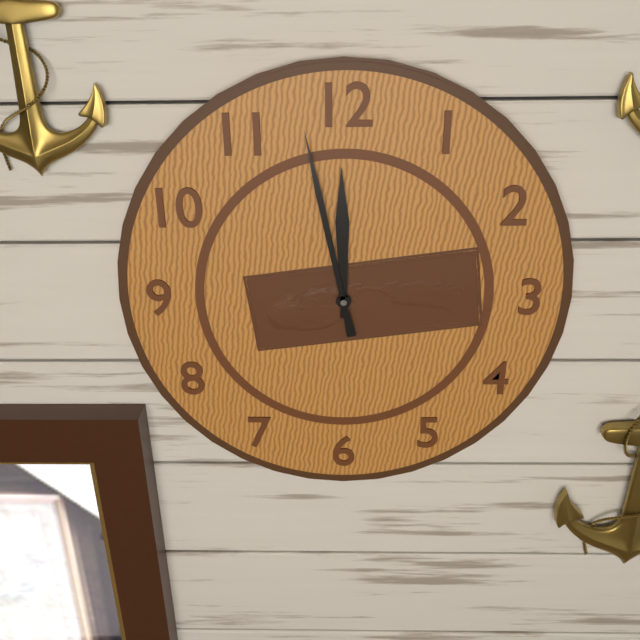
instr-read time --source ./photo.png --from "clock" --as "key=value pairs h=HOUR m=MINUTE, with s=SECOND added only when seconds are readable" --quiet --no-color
h=11 m=58
